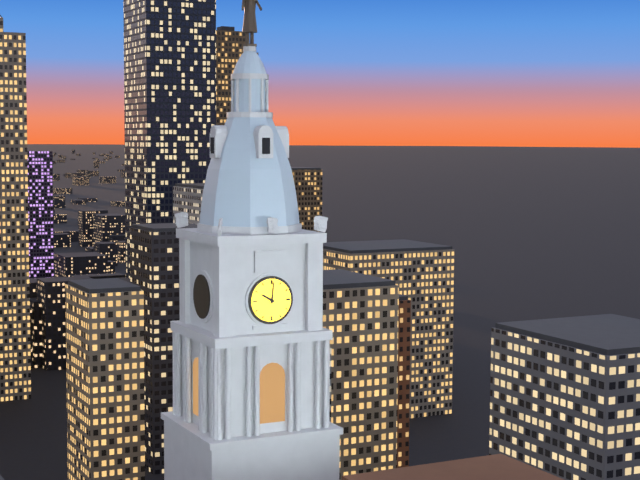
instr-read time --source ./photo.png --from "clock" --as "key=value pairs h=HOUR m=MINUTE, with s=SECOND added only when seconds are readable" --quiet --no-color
h=10 m=1
